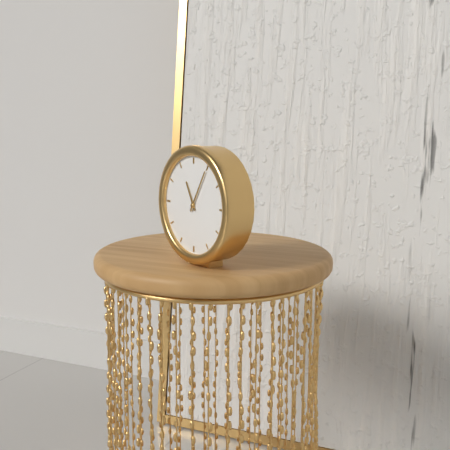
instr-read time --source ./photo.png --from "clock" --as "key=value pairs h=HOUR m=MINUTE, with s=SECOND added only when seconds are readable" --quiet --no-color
h=11 m=5
